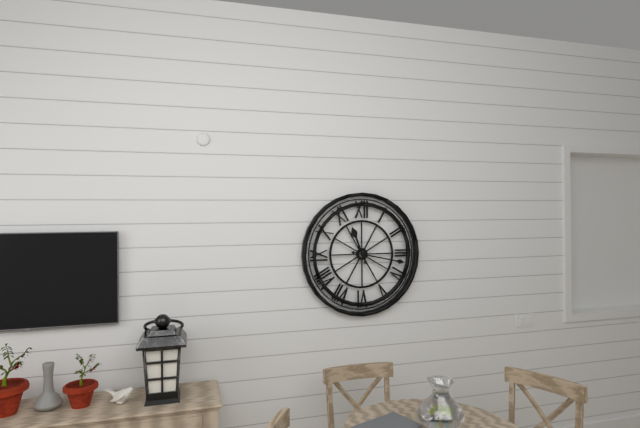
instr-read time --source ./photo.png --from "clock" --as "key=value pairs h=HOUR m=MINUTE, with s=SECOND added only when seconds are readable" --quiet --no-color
h=11 m=17
